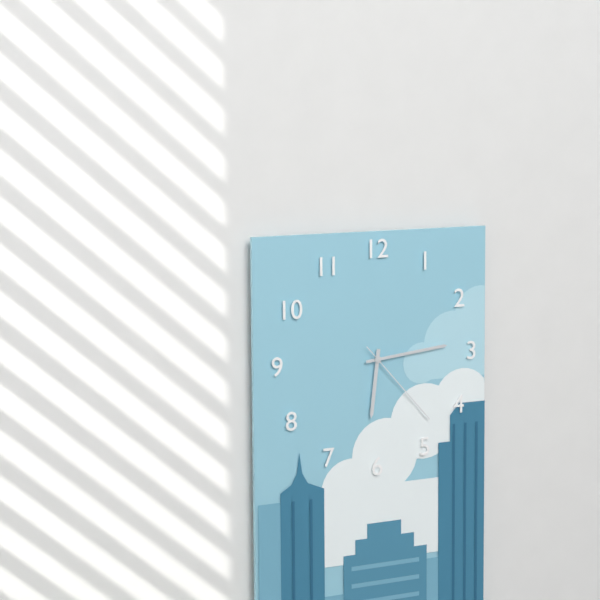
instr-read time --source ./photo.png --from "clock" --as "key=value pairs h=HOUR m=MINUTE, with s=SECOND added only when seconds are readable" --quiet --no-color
h=6 m=14 s=23
